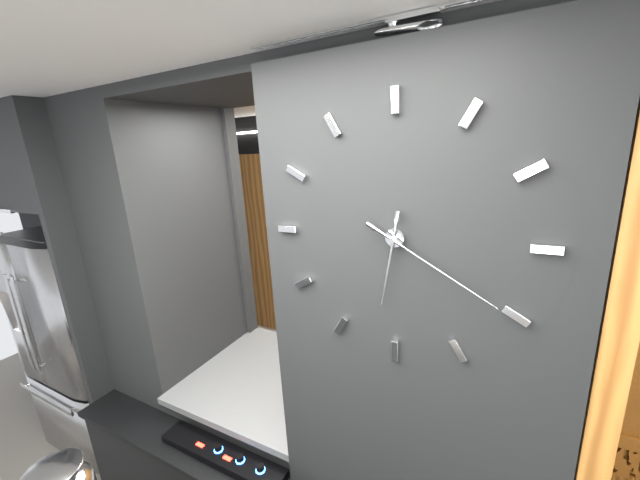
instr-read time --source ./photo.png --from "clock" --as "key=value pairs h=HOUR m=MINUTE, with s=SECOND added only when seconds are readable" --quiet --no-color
h=6 m=20
